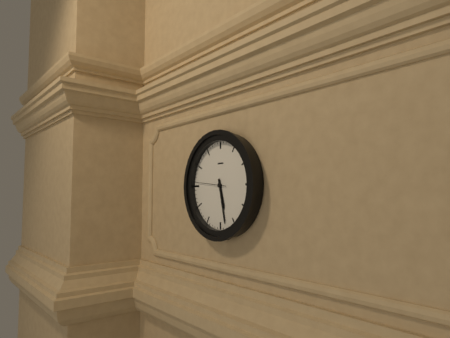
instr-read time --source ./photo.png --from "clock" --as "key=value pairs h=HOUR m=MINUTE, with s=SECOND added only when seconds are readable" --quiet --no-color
h=5 m=28
